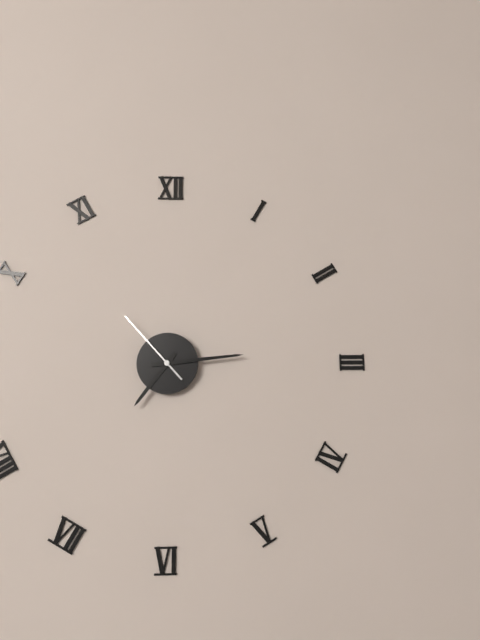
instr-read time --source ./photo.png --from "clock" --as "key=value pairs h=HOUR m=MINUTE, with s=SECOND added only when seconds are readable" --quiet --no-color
h=7 m=14 s=53
